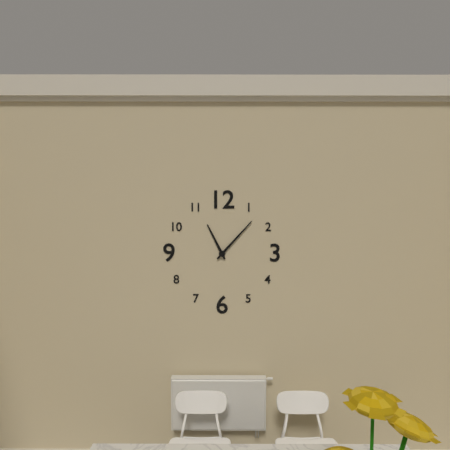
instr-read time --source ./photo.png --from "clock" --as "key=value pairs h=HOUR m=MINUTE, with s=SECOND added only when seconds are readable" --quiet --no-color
h=11 m=7
